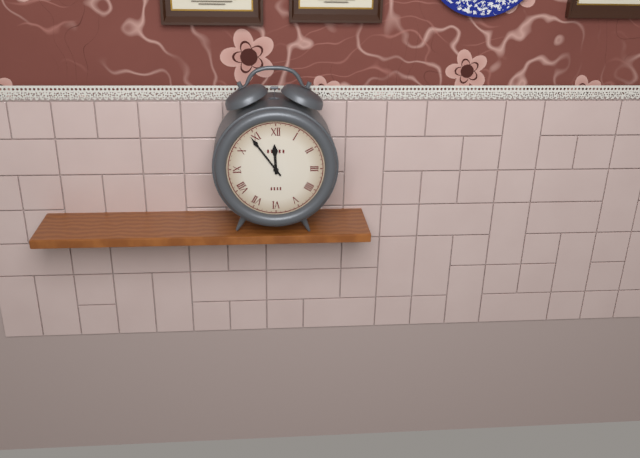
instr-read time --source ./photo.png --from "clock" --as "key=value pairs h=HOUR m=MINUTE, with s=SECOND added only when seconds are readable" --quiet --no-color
h=11 m=54
